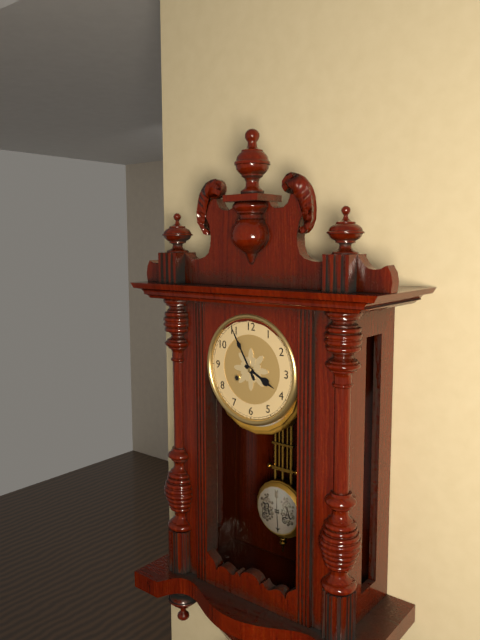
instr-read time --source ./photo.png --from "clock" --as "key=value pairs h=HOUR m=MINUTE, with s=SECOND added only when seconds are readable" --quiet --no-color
h=3 m=55
